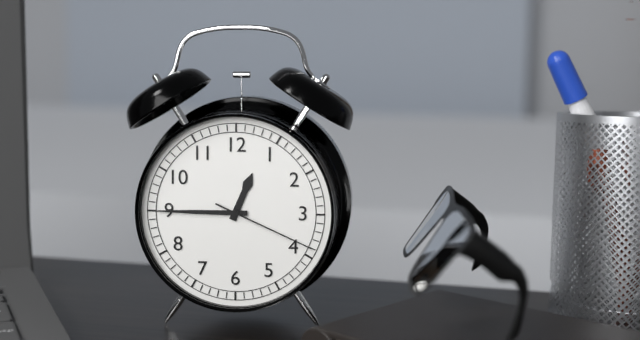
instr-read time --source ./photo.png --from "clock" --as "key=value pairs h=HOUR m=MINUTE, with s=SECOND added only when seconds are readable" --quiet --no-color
h=12 m=45 s=19
